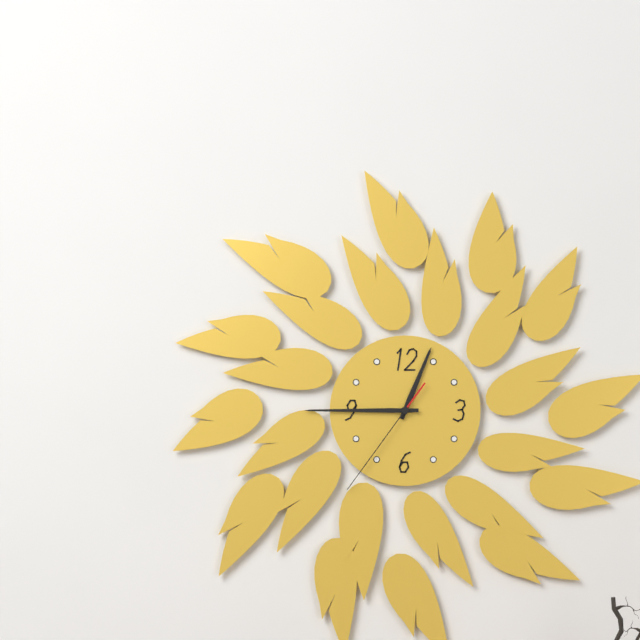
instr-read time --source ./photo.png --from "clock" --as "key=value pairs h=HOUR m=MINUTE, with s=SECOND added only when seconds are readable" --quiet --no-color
h=12 m=45 s=36
